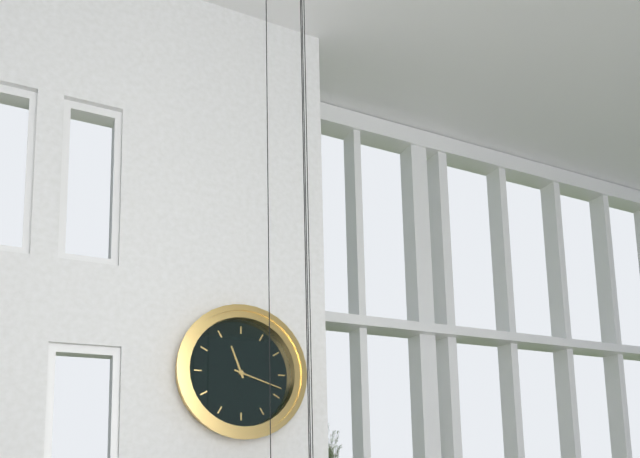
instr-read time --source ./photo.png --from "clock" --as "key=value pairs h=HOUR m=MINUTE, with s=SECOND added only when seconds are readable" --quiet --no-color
h=11 m=18
